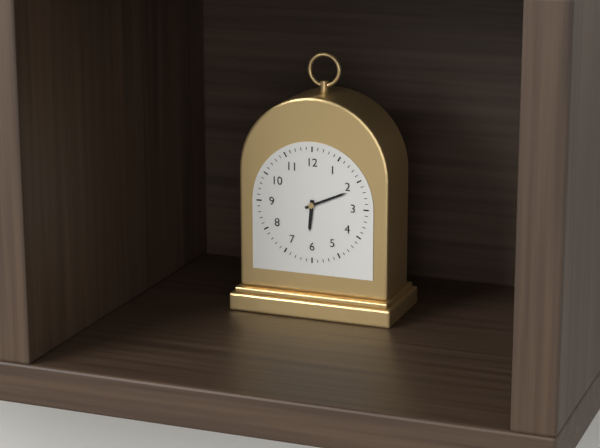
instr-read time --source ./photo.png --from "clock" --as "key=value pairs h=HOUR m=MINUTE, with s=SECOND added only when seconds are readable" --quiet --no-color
h=6 m=11
